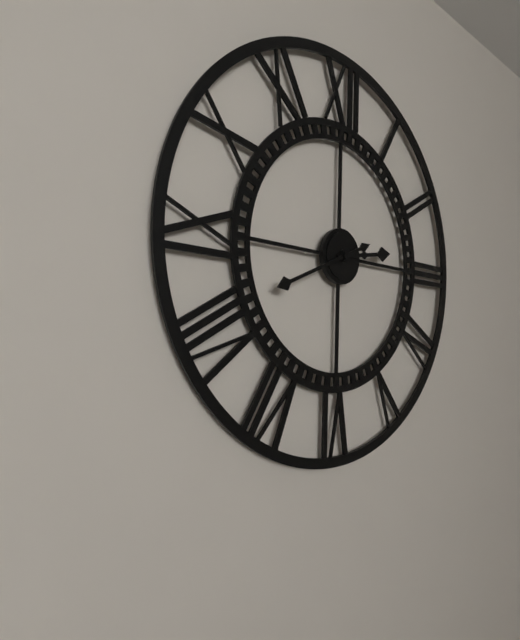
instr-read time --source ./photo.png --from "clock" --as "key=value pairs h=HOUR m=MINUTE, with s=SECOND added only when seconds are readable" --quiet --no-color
h=2 m=41
